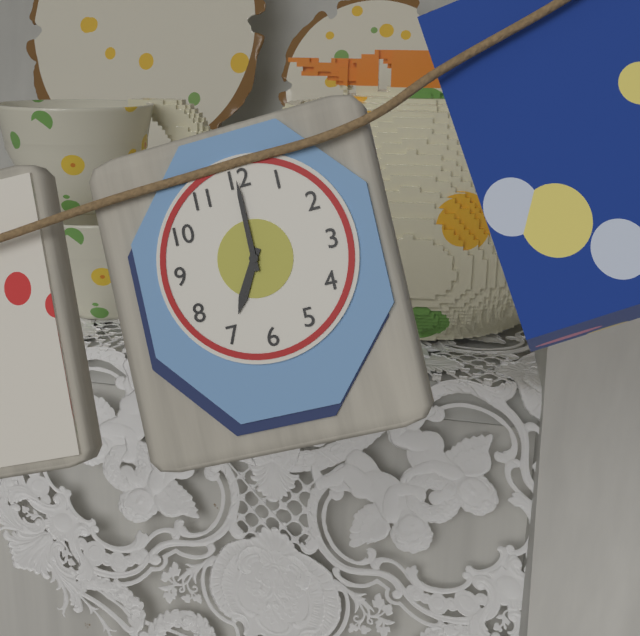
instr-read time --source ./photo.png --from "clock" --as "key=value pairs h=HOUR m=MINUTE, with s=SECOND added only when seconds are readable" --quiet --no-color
h=7 m=0
